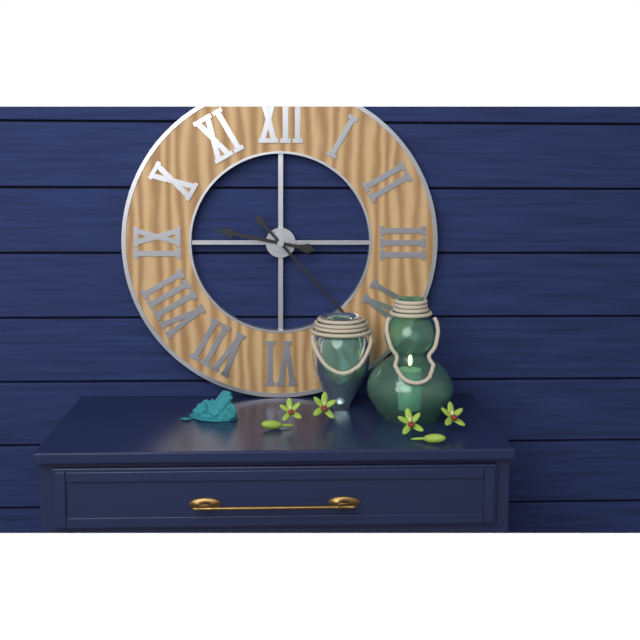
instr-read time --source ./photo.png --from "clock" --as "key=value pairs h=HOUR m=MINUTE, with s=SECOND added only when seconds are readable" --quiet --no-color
h=9 m=23
